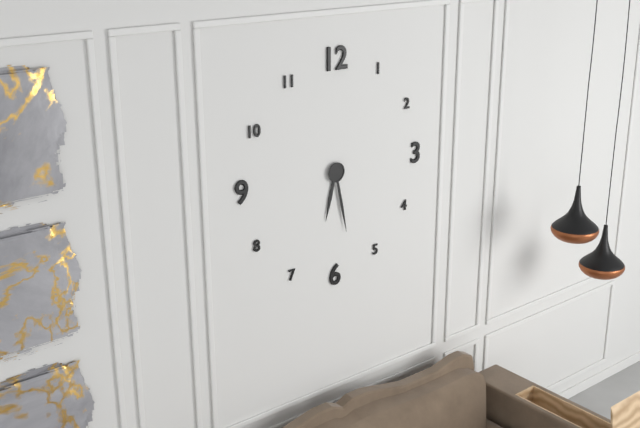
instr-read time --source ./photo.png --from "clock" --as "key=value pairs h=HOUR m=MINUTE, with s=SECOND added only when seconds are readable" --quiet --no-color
h=6 m=28
